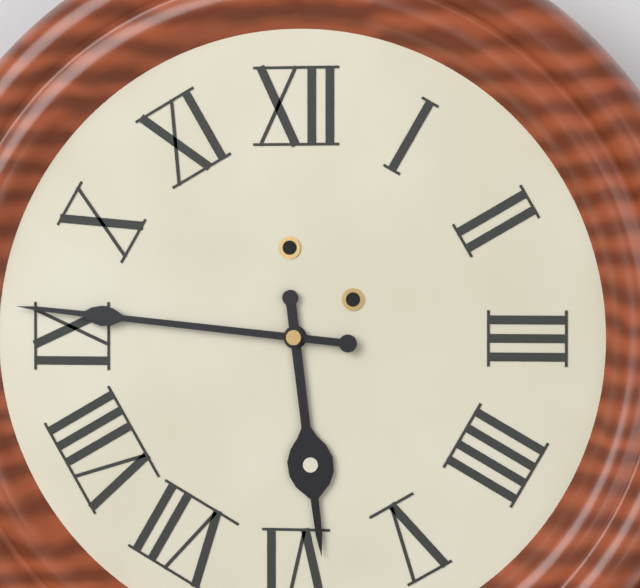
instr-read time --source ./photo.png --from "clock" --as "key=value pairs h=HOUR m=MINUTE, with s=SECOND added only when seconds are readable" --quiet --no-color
h=5 m=46
